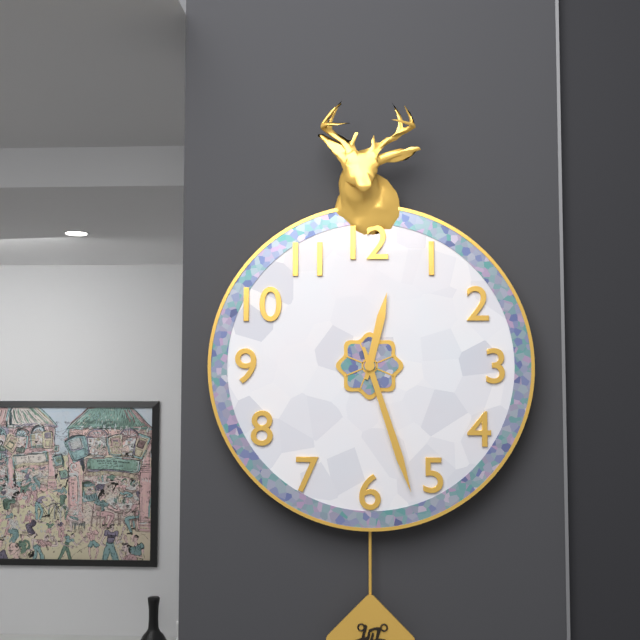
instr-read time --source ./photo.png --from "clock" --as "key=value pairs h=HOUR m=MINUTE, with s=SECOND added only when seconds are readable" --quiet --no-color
h=12 m=27
